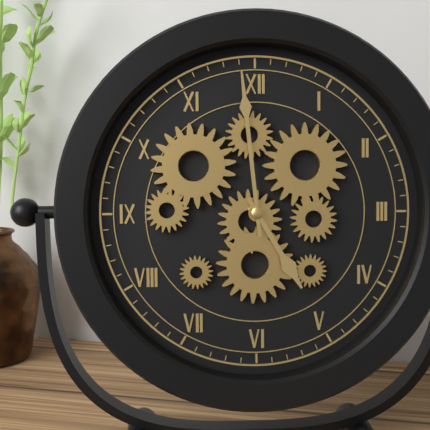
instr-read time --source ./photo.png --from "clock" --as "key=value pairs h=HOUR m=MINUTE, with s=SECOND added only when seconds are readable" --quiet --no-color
h=4 m=59
